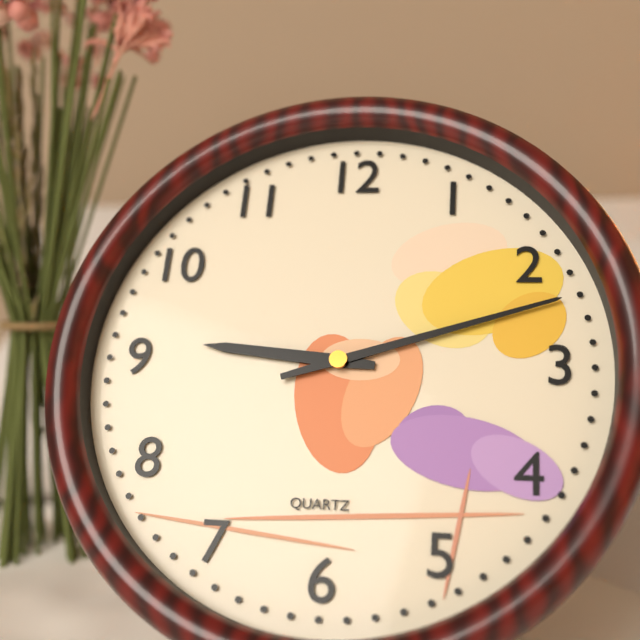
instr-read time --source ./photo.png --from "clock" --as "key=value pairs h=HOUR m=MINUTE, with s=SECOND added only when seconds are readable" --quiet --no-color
h=9 m=12
